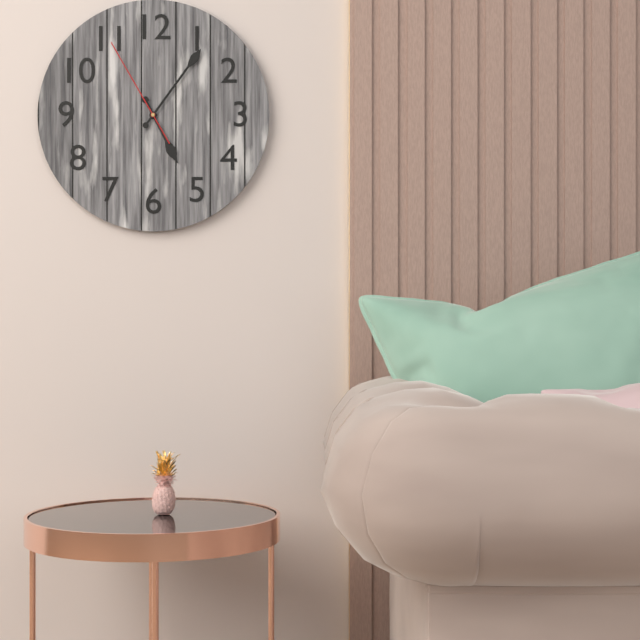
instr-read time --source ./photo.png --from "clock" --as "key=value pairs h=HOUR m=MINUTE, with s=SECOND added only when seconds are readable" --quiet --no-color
h=5 m=6 s=55
